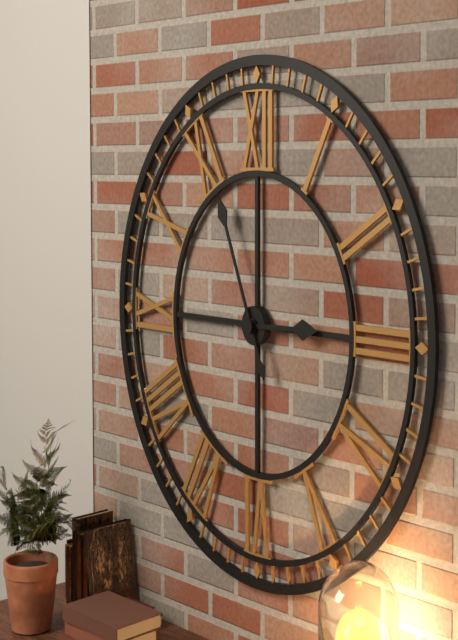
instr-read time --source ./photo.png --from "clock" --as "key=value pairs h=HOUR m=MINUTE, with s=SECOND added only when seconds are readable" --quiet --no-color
h=2 m=56
